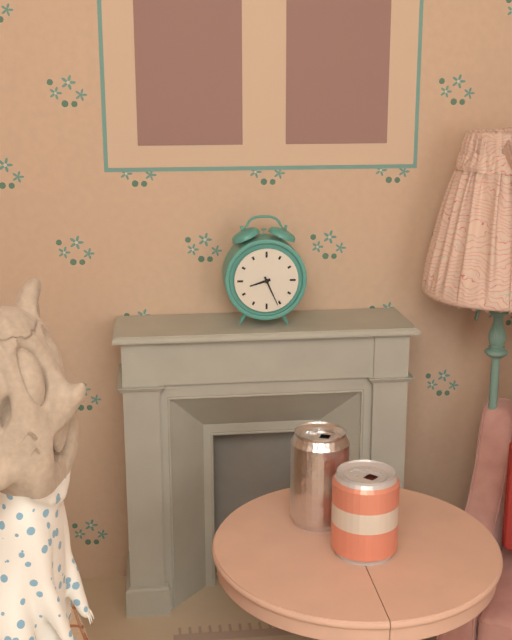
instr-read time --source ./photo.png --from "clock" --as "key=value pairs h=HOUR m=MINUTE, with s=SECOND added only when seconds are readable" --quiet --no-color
h=8 m=26
